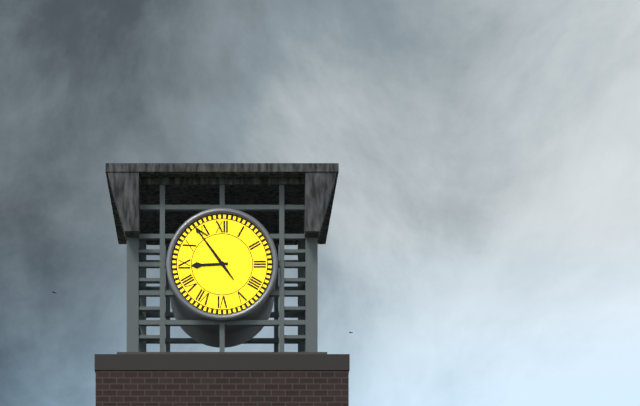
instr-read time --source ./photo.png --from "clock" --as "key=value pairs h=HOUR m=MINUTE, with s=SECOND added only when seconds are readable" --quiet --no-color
h=8 m=54
